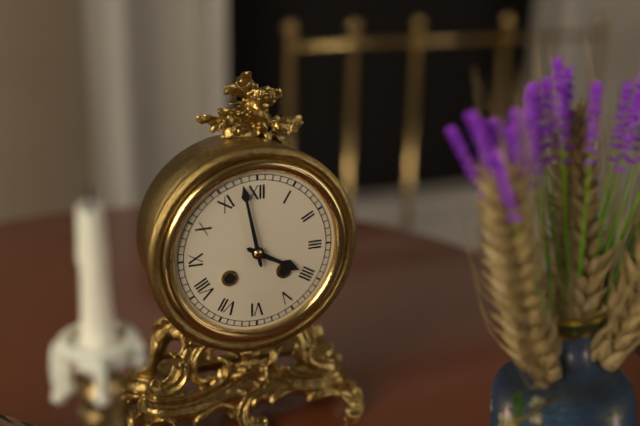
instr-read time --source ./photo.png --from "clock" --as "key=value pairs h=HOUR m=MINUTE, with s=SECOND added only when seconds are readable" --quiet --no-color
h=3 m=58
